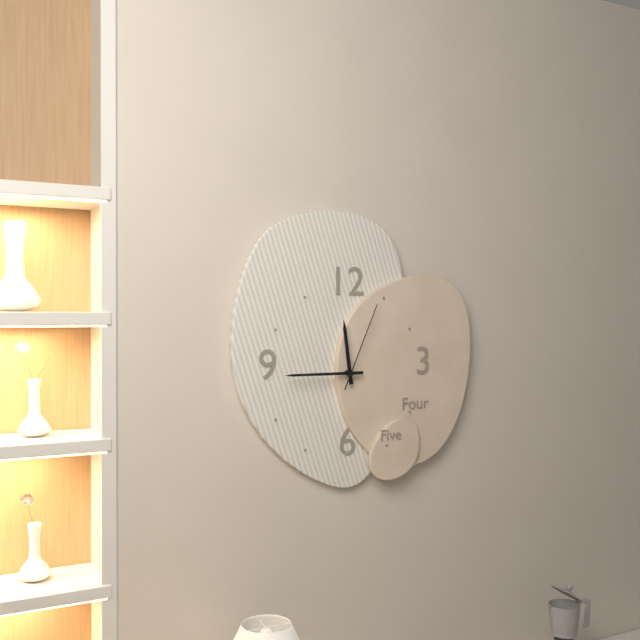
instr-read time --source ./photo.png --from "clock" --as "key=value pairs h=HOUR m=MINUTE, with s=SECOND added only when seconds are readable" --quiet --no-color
h=11 m=45 s=4
